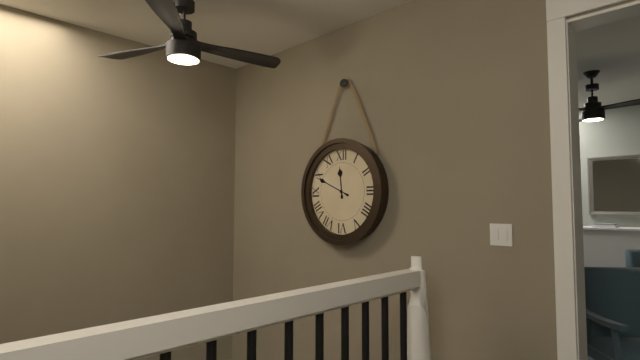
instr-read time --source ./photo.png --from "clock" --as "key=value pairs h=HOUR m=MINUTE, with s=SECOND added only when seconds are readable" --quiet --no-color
h=11 m=49
